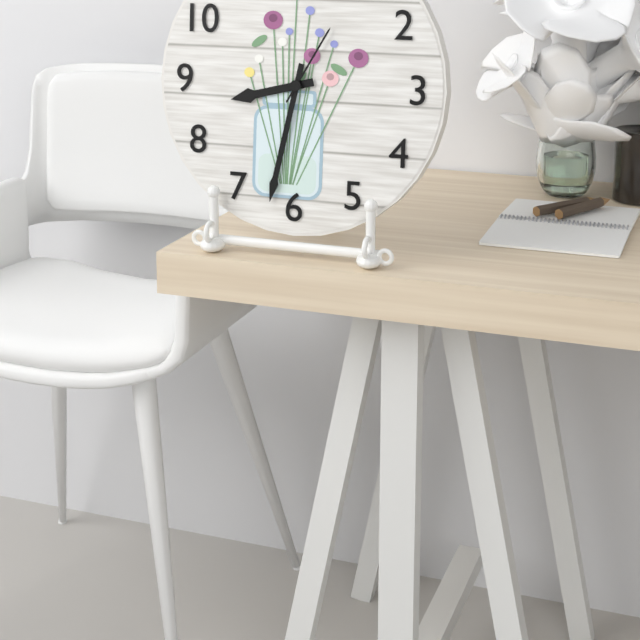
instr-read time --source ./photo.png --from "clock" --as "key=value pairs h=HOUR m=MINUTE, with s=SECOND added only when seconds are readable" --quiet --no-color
h=8 m=32 s=5
